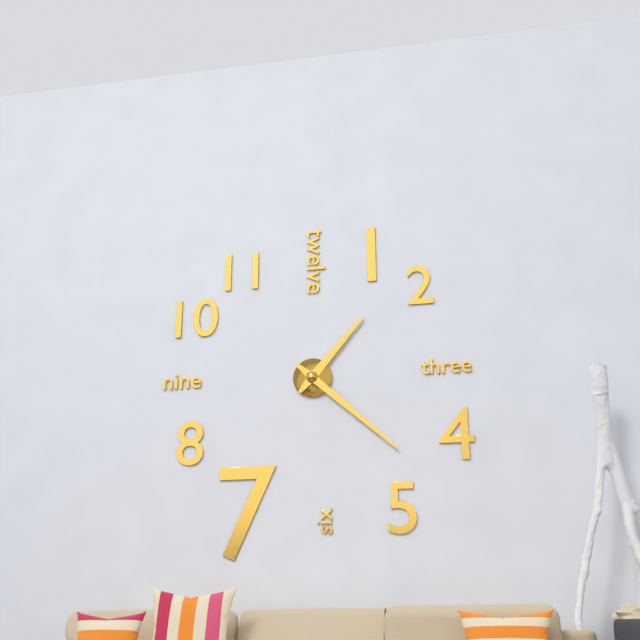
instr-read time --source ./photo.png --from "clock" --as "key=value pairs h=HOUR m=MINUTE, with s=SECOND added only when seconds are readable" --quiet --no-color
h=1 m=22
